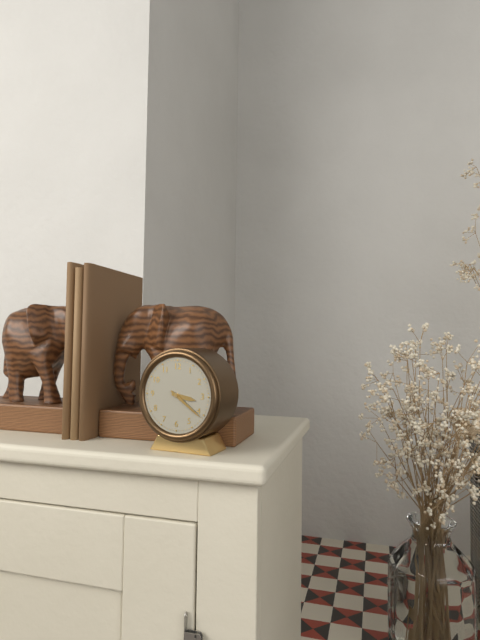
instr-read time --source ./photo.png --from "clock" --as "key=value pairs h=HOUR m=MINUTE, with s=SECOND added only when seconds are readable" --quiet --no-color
h=3 m=21
